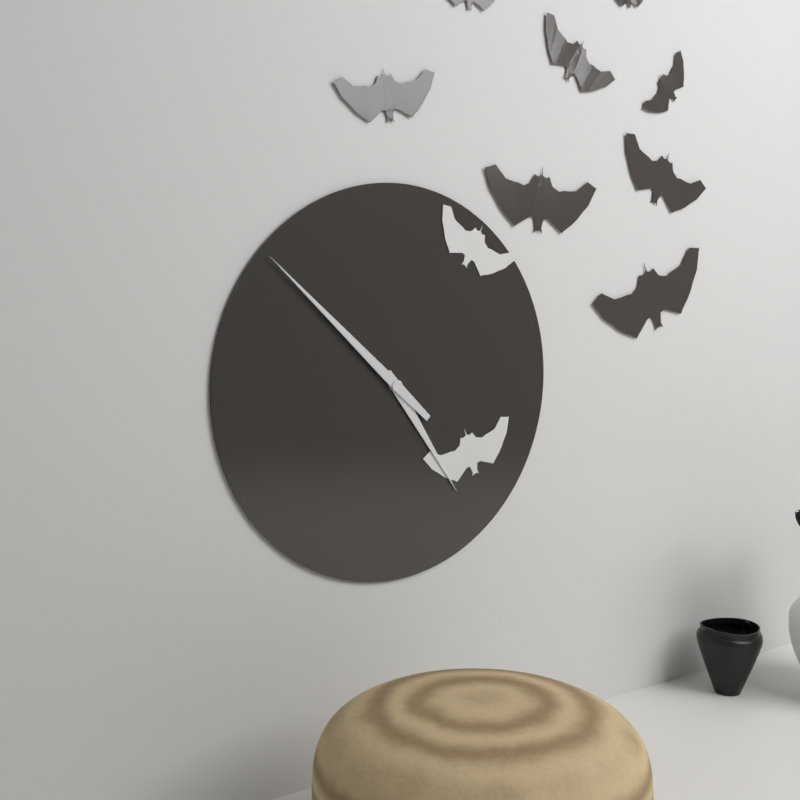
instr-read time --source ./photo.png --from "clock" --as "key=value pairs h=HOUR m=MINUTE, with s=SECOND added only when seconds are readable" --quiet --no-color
h=4 m=52
